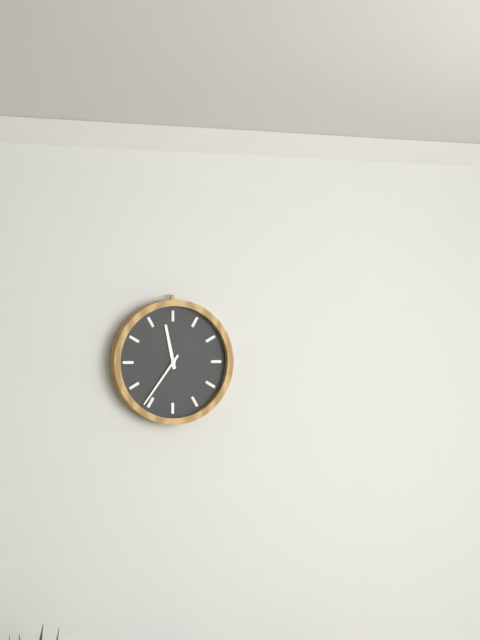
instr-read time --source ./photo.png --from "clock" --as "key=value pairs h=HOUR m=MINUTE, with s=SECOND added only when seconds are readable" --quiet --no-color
h=11 m=36
